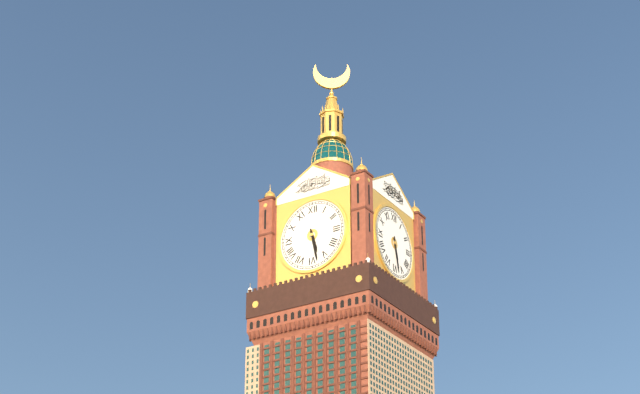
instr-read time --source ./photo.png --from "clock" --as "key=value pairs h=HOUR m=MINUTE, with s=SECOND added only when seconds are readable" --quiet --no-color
h=5 m=28
